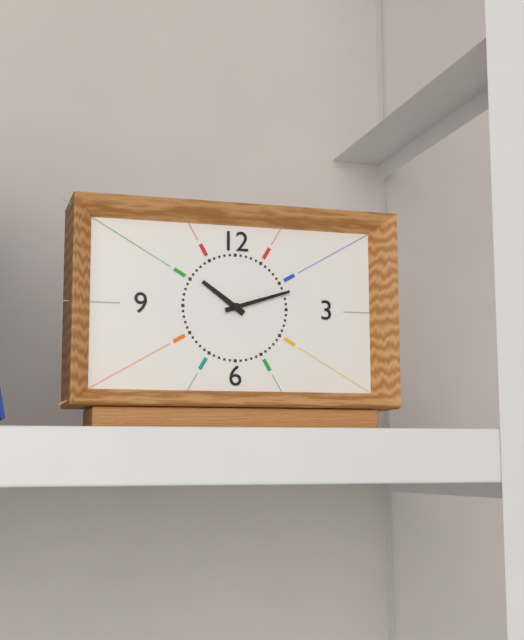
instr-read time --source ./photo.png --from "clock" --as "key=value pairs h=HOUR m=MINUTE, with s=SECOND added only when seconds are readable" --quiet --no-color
h=10 m=12
